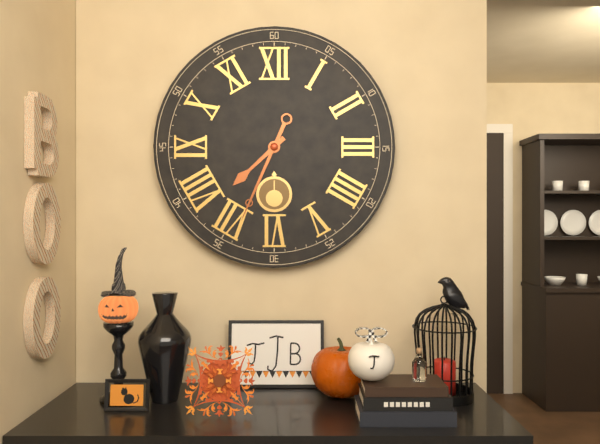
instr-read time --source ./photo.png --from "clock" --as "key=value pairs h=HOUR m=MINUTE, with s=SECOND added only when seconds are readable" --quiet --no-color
h=7 m=34
